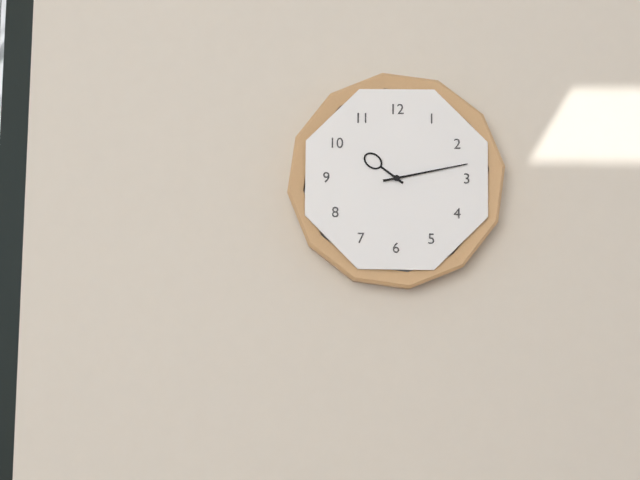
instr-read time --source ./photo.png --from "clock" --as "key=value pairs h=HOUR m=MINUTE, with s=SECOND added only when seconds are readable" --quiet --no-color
h=10 m=13
